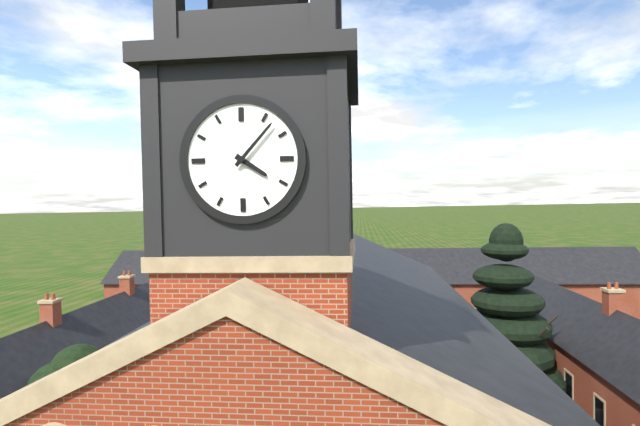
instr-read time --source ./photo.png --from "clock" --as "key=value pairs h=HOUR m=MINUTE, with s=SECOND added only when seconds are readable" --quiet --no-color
h=4 m=7
